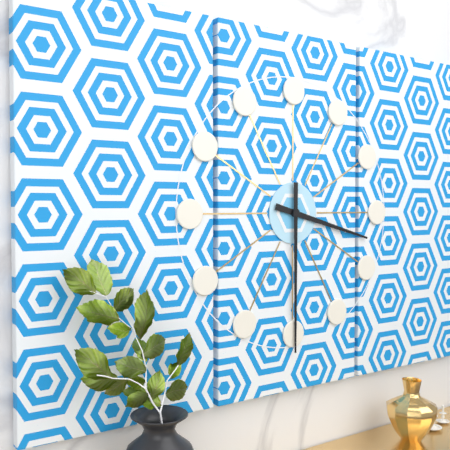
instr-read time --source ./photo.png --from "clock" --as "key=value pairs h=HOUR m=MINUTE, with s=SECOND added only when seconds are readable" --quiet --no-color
h=3 m=30
